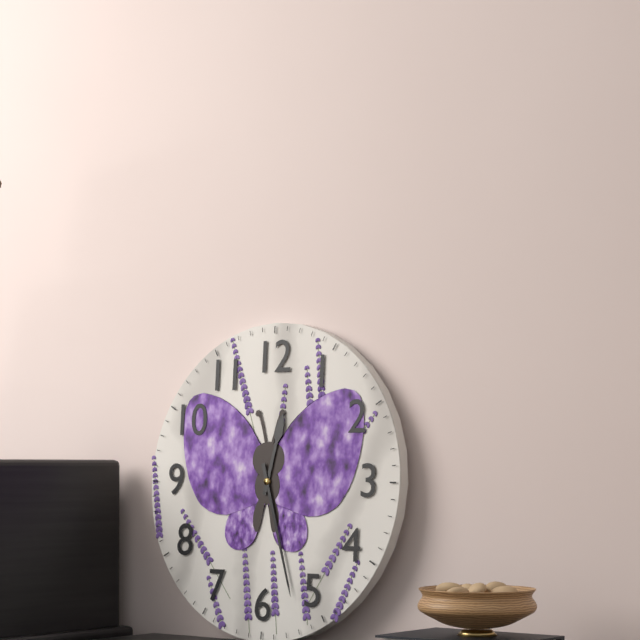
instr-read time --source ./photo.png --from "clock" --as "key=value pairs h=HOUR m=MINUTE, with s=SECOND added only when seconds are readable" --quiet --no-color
h=12 m=27
